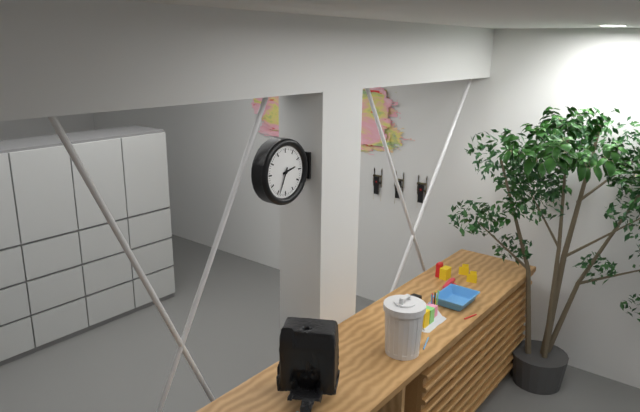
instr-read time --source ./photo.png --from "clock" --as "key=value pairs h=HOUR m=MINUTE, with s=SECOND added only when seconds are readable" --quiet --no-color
h=2 m=34
